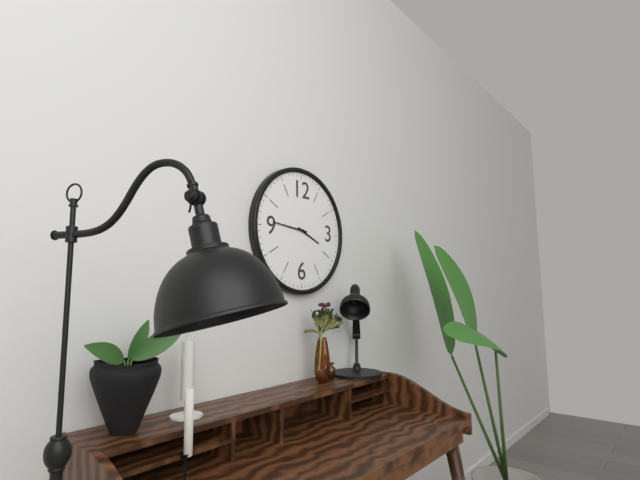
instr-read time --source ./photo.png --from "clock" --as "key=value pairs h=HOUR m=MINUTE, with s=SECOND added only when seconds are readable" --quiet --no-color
h=3 m=46
